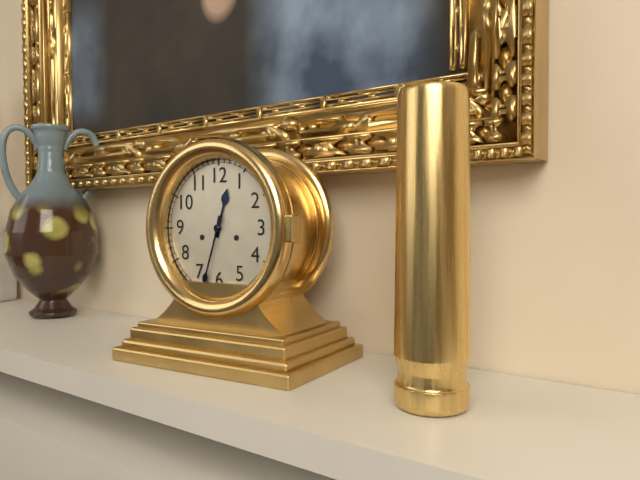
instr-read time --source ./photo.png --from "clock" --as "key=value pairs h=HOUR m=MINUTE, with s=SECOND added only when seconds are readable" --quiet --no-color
h=12 m=33
